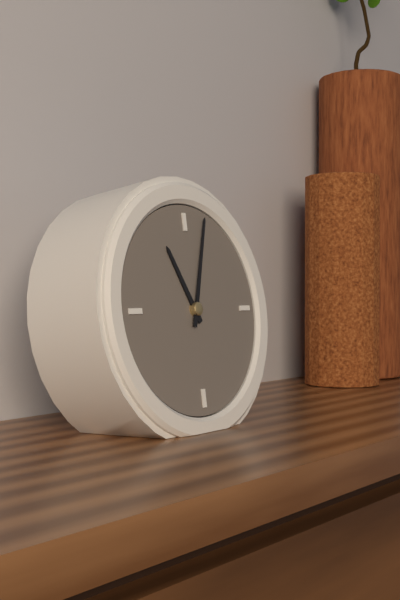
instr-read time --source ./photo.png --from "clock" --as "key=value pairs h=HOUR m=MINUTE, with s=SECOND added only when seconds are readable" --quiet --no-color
h=11 m=3
